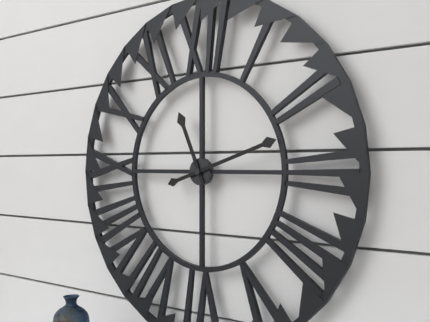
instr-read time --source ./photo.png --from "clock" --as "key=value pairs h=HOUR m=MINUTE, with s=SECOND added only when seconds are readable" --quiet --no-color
h=11 m=12
